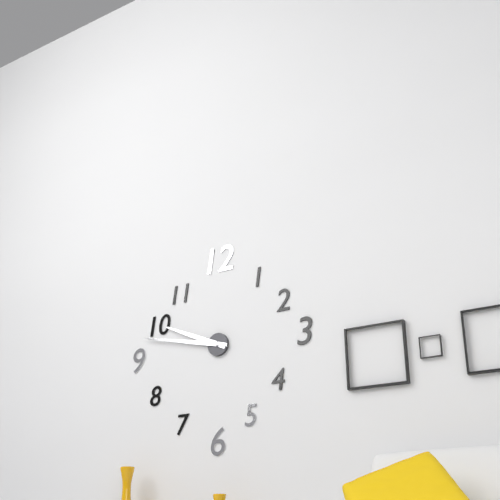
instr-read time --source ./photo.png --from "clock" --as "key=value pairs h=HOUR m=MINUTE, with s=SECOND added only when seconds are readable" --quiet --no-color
h=9 m=47
